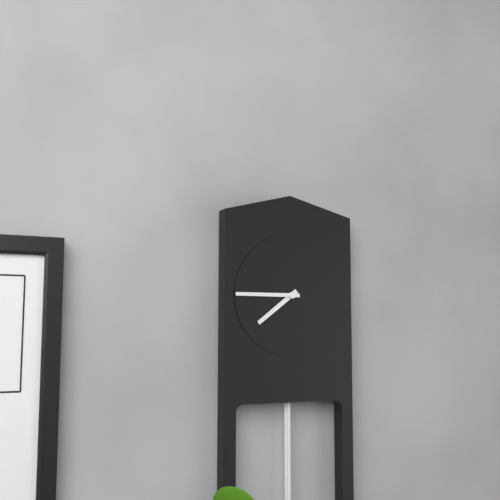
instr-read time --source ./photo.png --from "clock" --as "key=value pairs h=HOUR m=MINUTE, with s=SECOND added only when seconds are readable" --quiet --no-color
h=7 m=45
